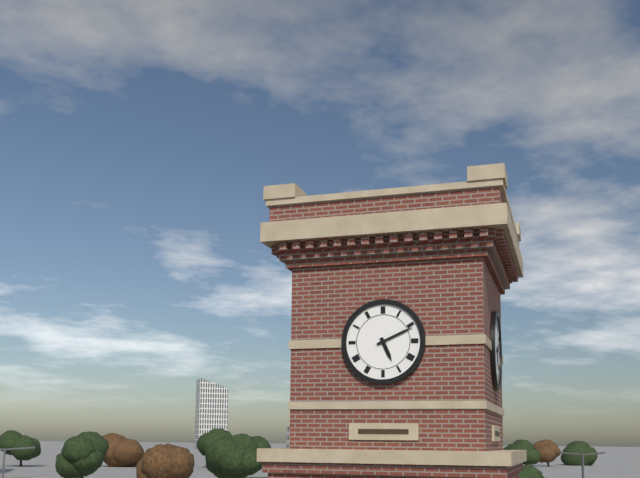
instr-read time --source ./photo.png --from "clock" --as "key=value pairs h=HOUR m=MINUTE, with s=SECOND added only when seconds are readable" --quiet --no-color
h=5 m=11
